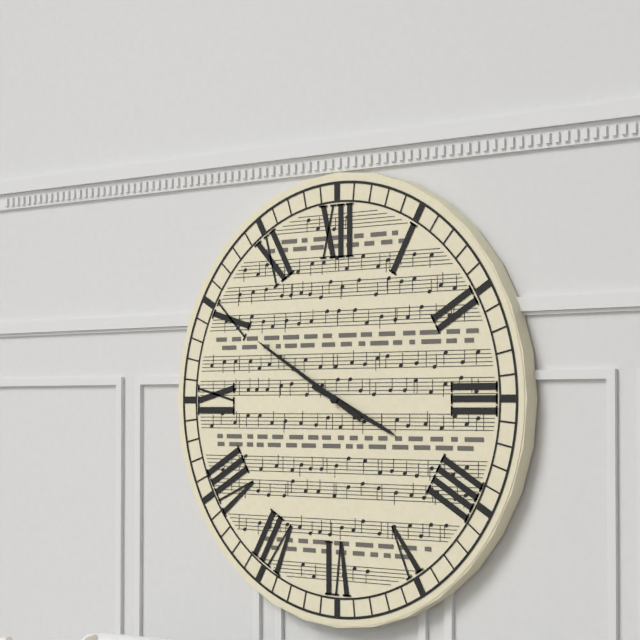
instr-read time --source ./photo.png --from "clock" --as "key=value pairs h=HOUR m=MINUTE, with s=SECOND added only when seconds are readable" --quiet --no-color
h=3 m=50
